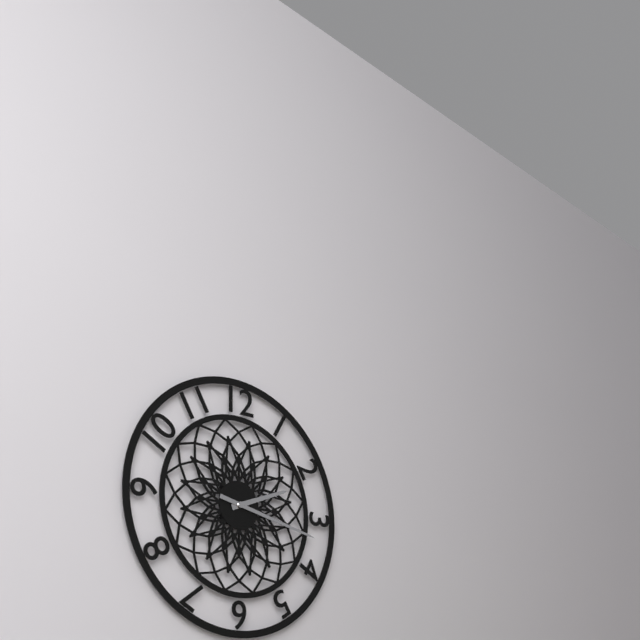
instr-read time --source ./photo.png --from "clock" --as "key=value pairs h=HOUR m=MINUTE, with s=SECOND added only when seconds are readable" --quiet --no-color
h=2 m=17
